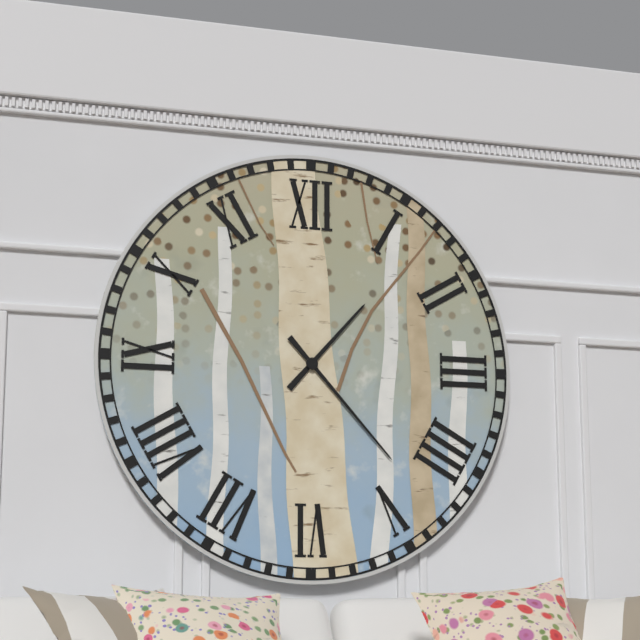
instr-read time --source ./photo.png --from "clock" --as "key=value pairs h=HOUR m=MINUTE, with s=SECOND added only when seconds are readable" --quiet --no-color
h=1 m=23
